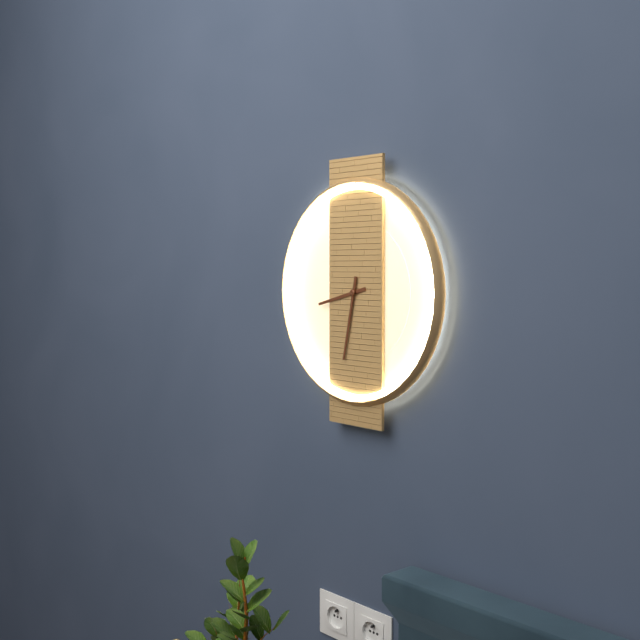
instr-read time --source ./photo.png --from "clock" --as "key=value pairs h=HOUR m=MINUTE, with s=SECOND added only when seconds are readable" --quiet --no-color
h=8 m=32
